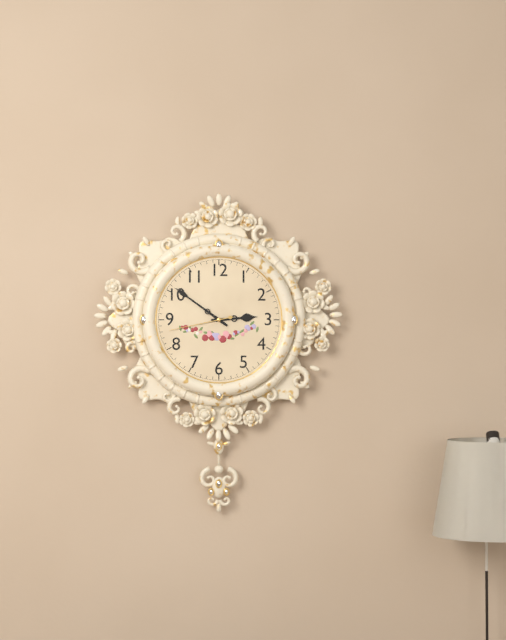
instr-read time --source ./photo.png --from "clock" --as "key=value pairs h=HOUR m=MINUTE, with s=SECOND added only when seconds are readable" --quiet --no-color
h=2 m=51 s=43
